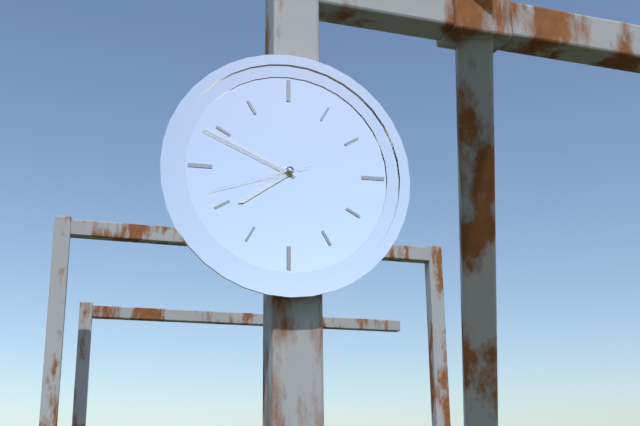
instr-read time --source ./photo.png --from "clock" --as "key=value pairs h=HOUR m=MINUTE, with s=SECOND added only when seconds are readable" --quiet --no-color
h=7 m=49 s=42
